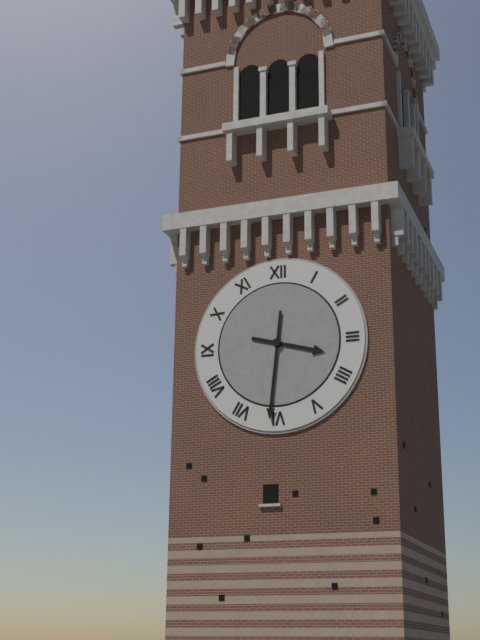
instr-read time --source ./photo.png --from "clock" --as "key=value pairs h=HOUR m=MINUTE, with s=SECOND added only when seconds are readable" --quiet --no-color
h=3 m=31
